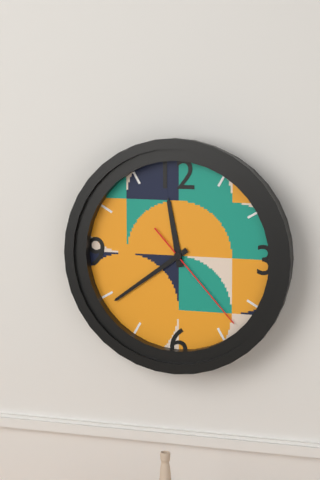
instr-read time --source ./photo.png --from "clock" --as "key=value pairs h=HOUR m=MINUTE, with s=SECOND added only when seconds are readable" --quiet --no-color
h=11 m=39 s=23
